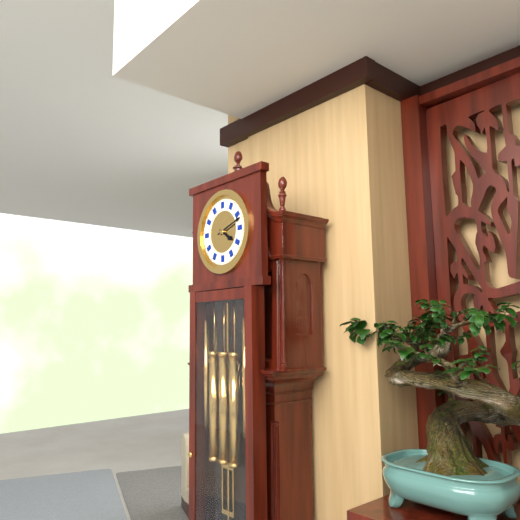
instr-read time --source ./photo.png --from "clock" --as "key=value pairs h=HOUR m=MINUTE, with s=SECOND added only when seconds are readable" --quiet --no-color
h=4 m=12
